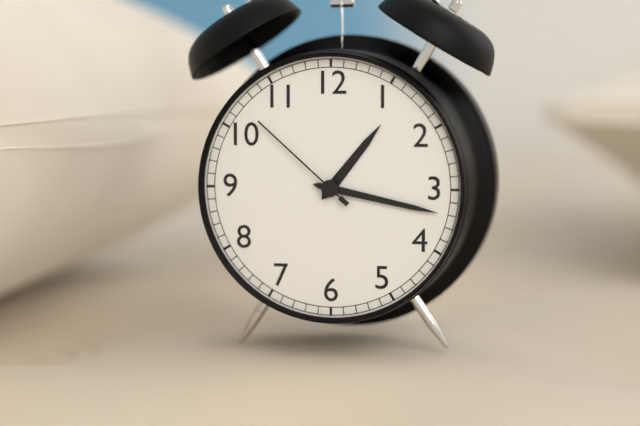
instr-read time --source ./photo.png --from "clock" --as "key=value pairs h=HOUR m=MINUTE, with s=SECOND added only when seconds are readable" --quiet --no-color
h=1 m=17 s=52
